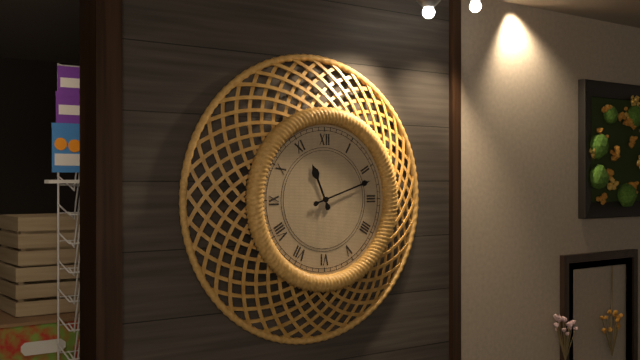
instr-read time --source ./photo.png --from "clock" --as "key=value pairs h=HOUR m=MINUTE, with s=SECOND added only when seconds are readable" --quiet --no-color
h=11 m=12
